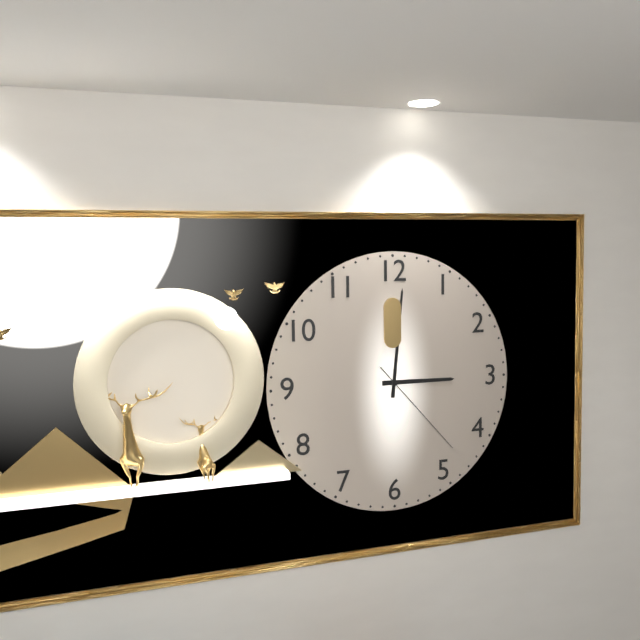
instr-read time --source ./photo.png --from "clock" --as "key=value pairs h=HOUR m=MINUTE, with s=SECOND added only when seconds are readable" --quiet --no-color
h=3 m=1 s=23
